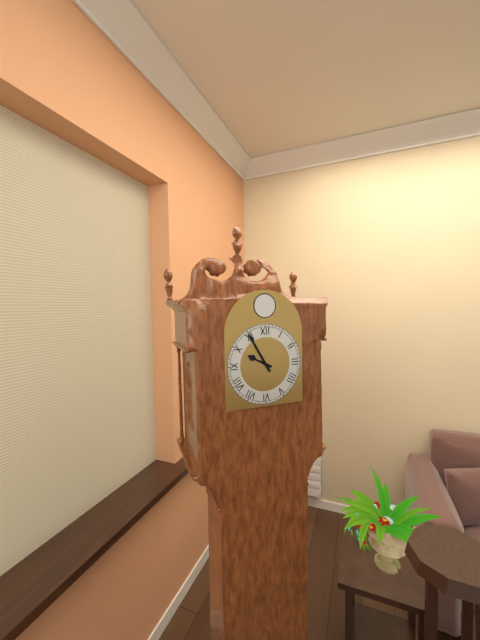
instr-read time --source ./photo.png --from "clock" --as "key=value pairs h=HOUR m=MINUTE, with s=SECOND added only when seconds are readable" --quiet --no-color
h=9 m=55
